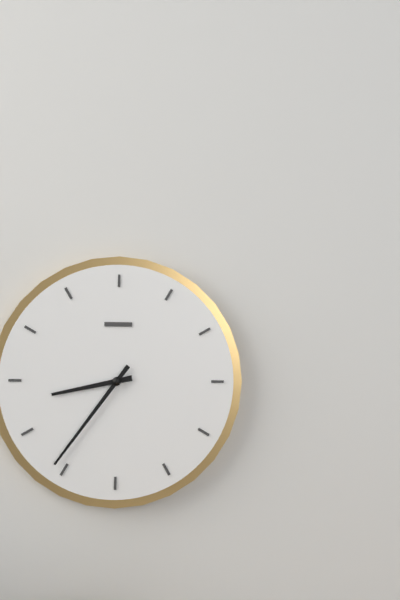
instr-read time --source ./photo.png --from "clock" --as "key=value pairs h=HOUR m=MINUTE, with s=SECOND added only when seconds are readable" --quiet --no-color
h=8 m=36
